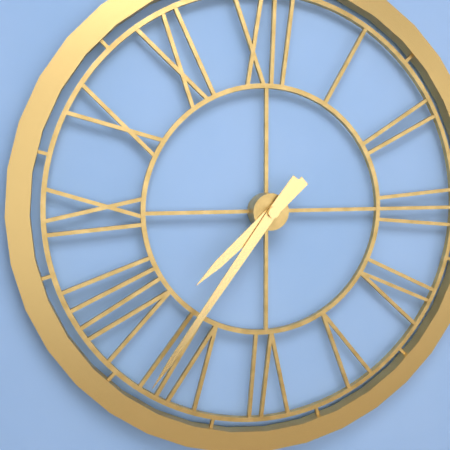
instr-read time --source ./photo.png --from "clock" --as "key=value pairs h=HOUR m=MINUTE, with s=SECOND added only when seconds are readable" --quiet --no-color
h=7 m=36
